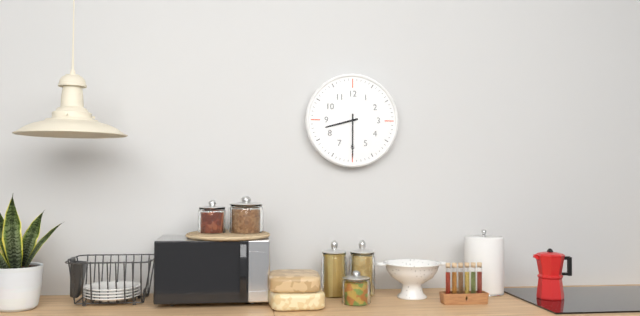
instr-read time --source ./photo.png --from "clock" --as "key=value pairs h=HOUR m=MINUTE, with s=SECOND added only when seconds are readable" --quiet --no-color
h=8 m=30
